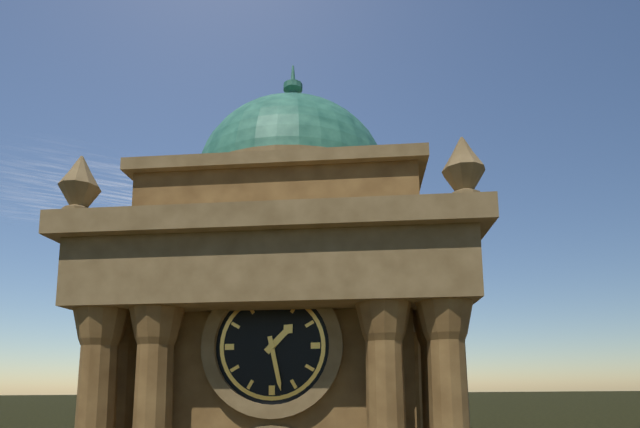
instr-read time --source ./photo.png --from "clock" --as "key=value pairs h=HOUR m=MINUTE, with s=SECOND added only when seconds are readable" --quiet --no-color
h=1 m=28
